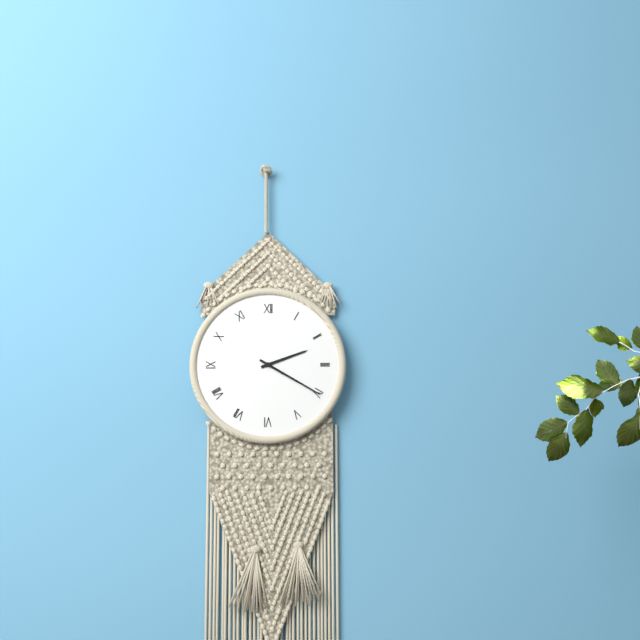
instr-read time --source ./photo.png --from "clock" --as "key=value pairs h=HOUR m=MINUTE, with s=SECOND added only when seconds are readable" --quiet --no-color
h=2 m=20
